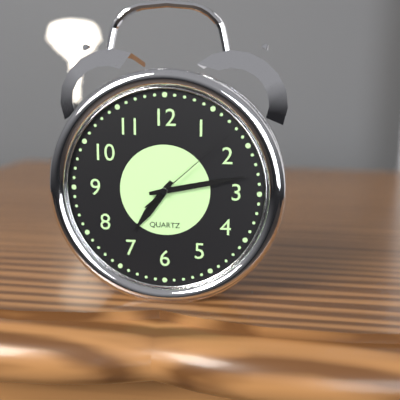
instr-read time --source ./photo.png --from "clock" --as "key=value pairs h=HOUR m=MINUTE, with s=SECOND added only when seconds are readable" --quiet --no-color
h=7 m=13 s=8
